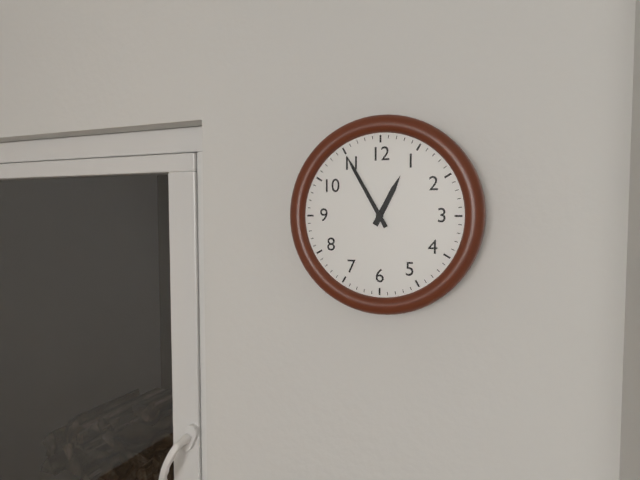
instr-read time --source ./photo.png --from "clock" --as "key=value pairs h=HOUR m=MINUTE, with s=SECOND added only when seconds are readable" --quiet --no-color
h=12 m=55
